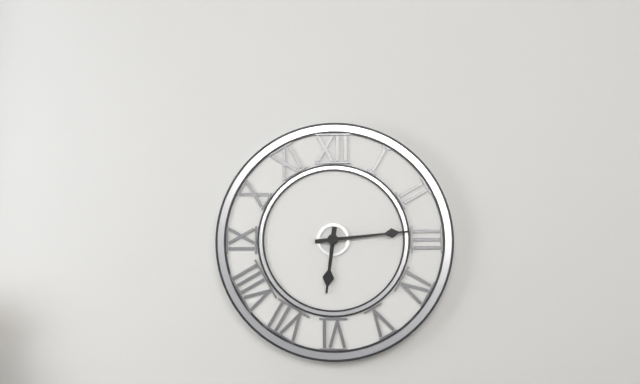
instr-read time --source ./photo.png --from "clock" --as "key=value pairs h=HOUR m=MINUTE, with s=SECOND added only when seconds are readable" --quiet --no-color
h=6 m=14
